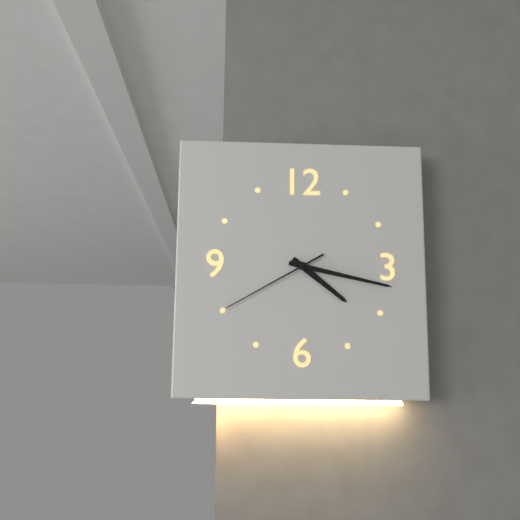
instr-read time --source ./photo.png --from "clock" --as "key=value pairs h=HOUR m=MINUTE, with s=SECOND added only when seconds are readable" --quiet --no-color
h=4 m=17 s=40
